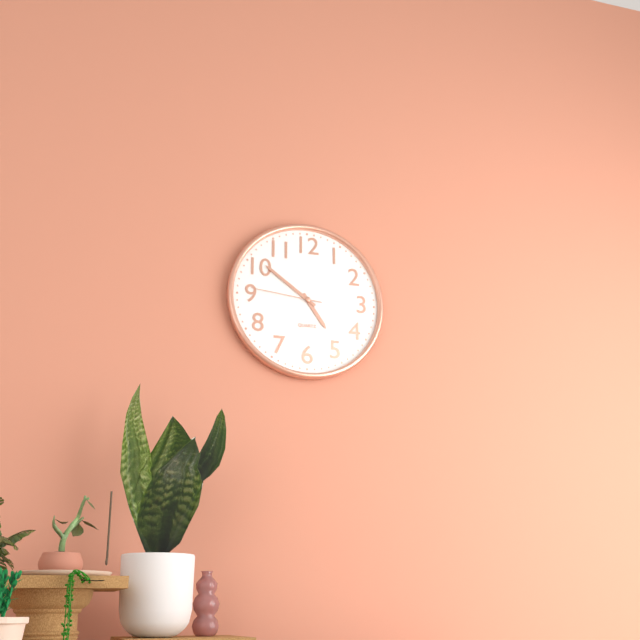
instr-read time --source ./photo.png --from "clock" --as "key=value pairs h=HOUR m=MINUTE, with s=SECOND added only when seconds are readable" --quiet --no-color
h=4 m=51 s=46
